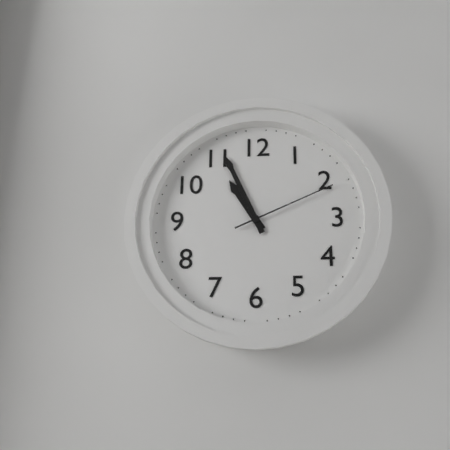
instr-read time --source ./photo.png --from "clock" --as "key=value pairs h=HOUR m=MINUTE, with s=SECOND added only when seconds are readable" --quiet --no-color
h=10 m=56 s=11
